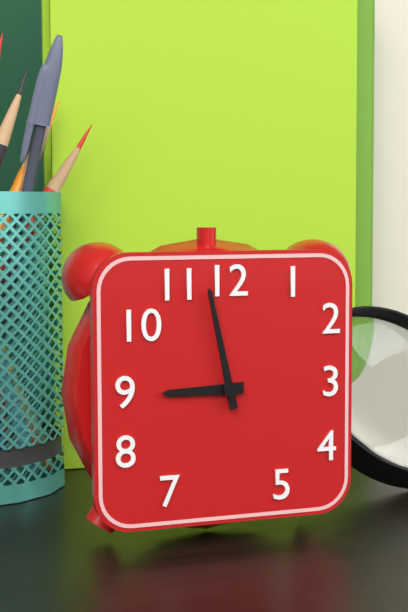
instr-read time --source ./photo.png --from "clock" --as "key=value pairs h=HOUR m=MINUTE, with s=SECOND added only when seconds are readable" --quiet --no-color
h=8 m=58
